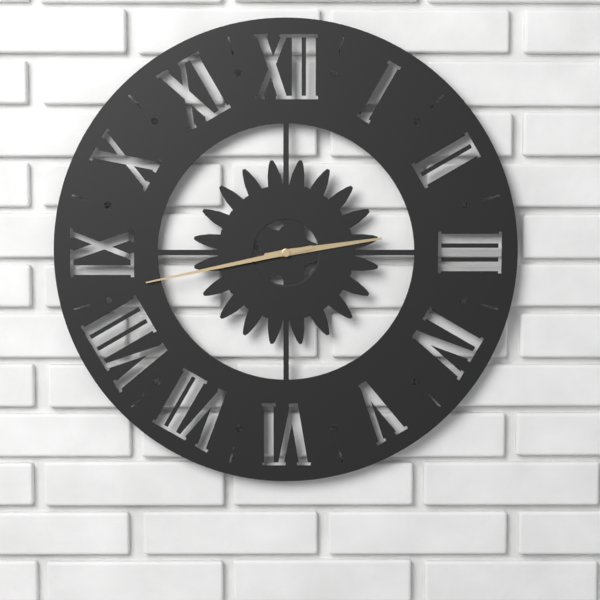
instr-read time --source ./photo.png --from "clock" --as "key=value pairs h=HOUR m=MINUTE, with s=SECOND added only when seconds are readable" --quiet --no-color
h=2 m=43
